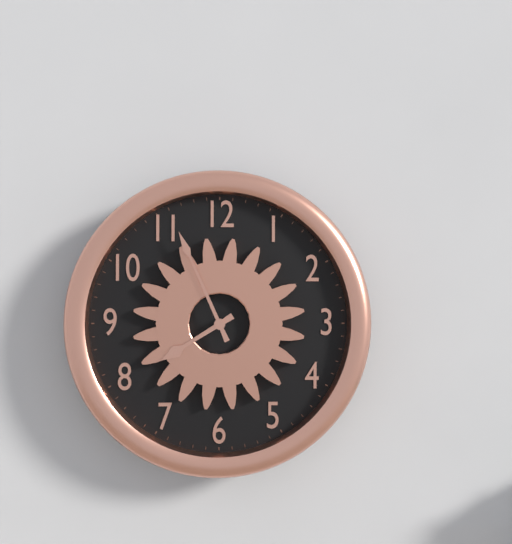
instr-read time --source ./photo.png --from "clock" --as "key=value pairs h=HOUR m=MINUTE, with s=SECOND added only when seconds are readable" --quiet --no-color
h=7 m=56
